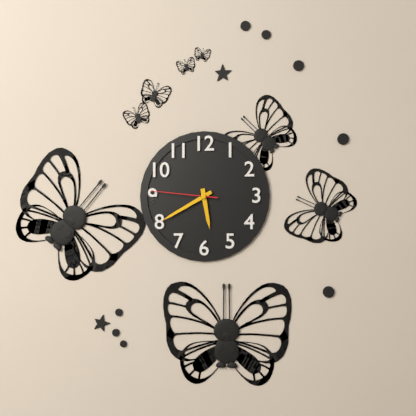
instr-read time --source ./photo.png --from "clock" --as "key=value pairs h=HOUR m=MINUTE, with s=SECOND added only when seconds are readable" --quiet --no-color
h=5 m=40 s=46
